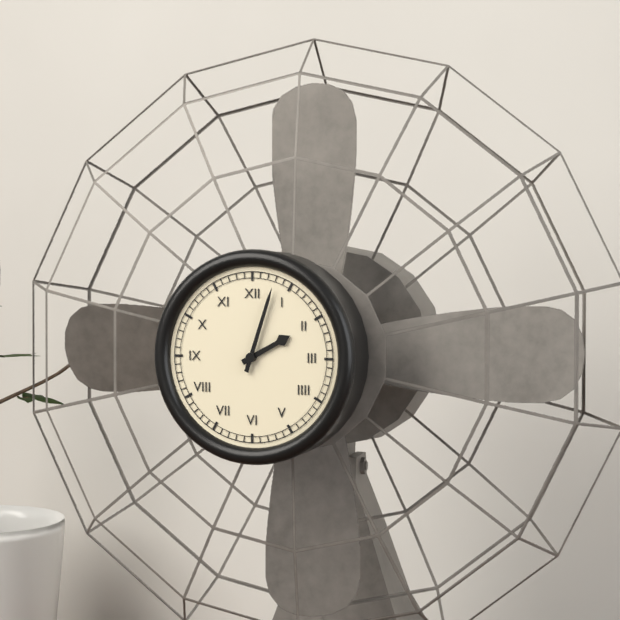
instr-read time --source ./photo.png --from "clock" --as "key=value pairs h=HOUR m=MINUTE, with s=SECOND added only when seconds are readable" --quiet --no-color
h=2 m=3
